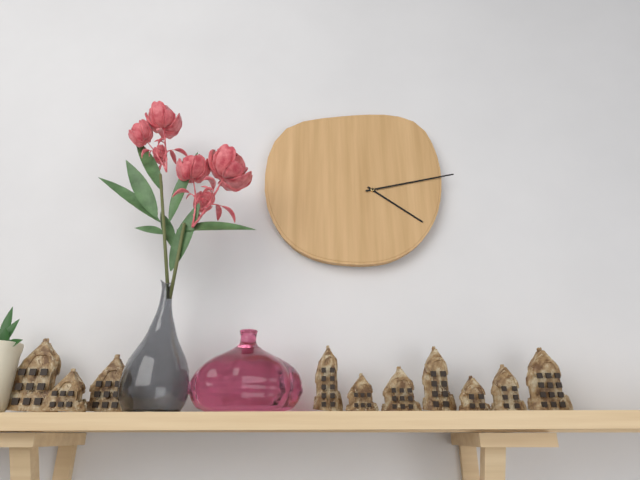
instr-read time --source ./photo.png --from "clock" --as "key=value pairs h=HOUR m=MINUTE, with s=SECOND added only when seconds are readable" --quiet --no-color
h=4 m=13
